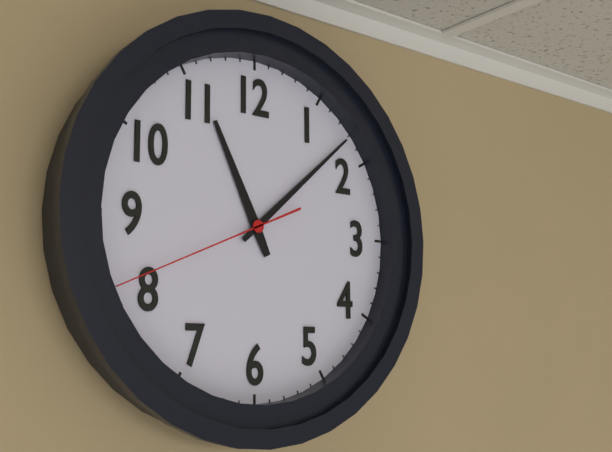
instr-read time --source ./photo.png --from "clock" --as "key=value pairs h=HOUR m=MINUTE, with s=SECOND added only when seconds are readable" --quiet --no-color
h=11 m=8 s=41
